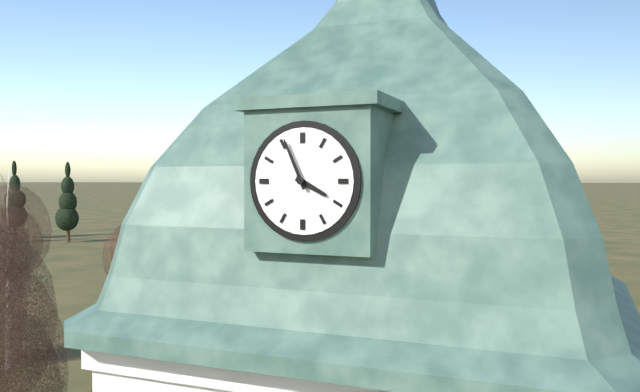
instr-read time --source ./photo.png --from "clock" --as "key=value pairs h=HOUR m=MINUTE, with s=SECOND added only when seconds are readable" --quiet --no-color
h=3 m=56
